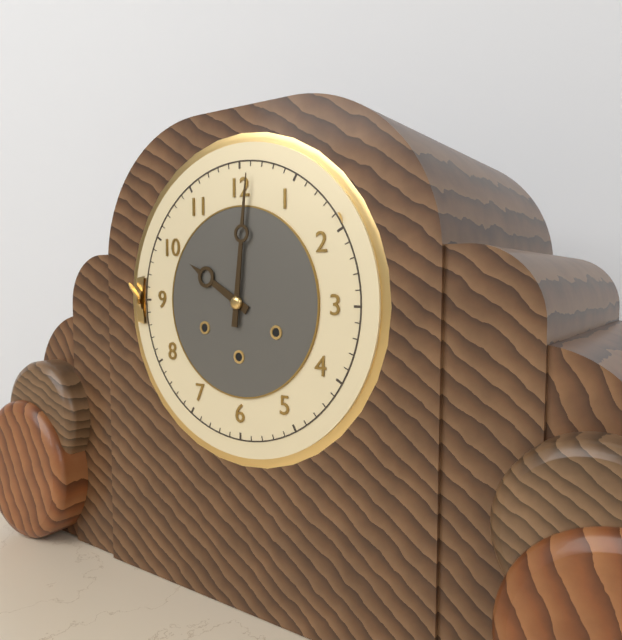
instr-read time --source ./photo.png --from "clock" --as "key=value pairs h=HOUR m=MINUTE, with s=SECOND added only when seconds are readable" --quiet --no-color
h=10 m=1
